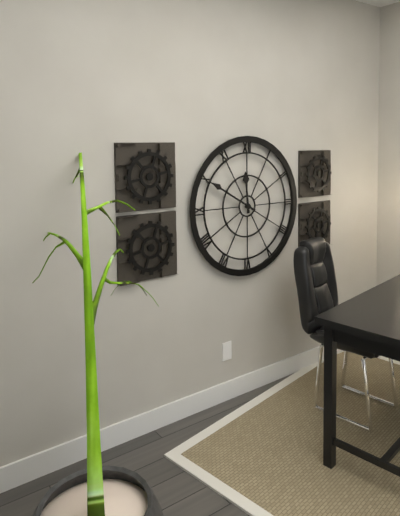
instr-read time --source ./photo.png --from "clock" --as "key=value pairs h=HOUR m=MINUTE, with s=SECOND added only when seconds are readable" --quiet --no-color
h=11 m=50
